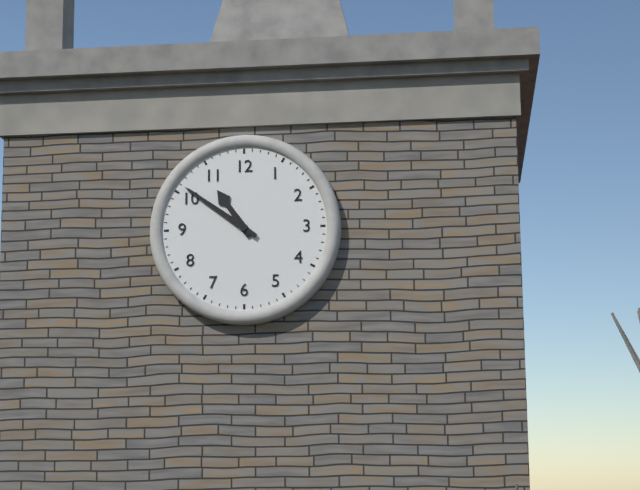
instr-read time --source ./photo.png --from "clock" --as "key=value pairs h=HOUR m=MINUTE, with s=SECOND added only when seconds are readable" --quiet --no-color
h=10 m=51
